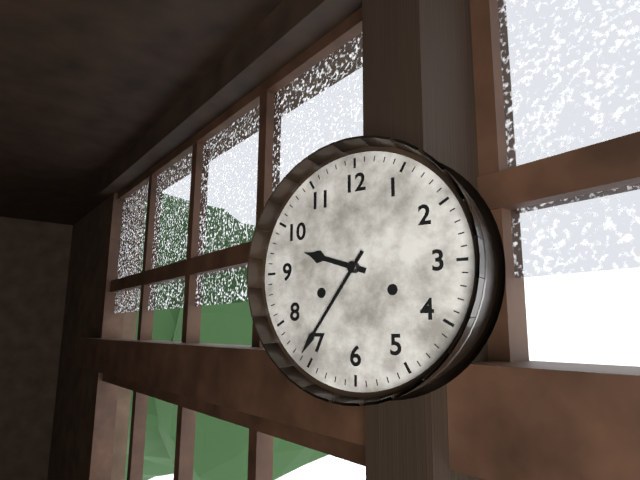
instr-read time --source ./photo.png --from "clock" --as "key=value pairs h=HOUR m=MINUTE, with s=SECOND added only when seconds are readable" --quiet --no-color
h=9 m=36
